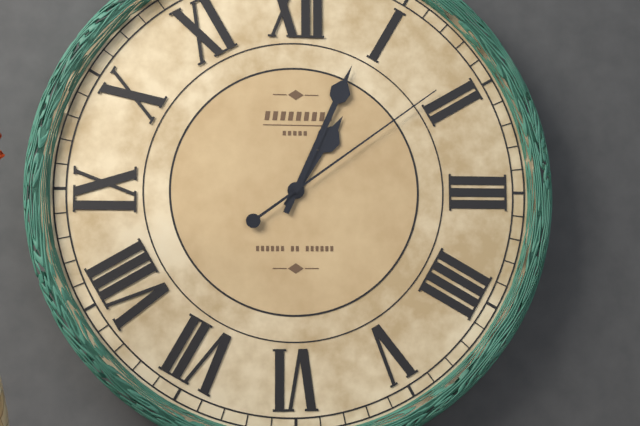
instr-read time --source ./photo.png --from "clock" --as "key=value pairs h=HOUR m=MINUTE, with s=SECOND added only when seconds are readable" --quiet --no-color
h=1 m=4 s=9
